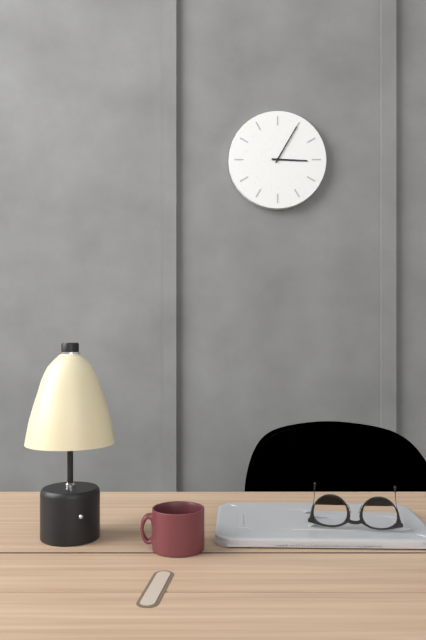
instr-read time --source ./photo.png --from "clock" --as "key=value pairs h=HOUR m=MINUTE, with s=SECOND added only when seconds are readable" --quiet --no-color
h=3 m=5
